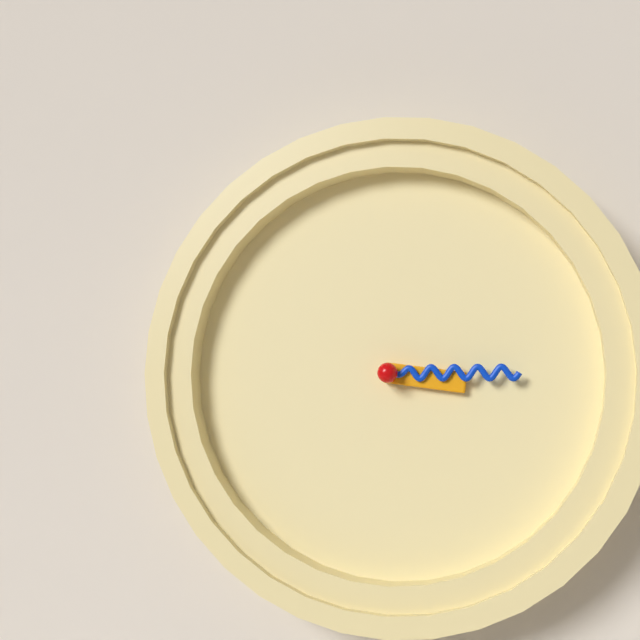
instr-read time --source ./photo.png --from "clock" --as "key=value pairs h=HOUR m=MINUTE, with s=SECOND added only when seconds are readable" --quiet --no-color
h=3 m=15
